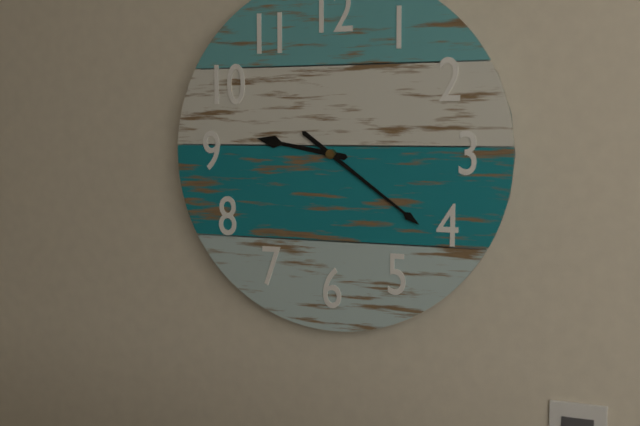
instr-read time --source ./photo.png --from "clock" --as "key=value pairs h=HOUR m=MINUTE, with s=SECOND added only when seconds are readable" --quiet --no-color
h=9 m=21
